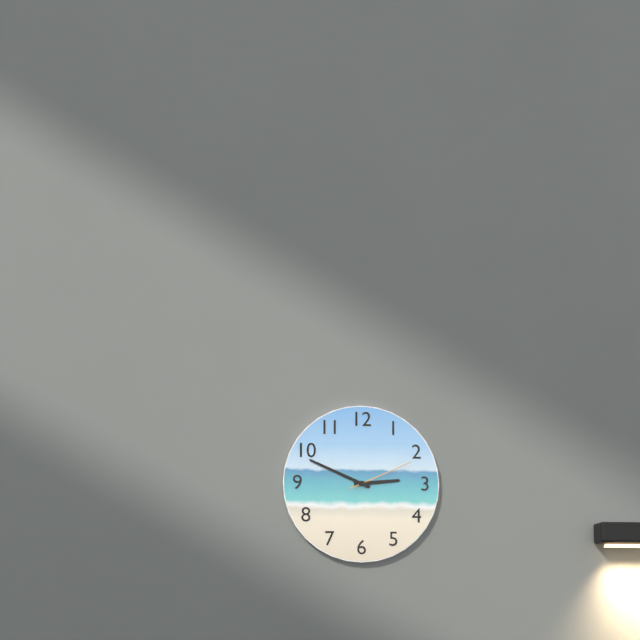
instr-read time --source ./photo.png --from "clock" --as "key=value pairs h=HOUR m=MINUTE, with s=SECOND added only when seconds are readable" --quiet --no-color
h=2 m=49 s=11
